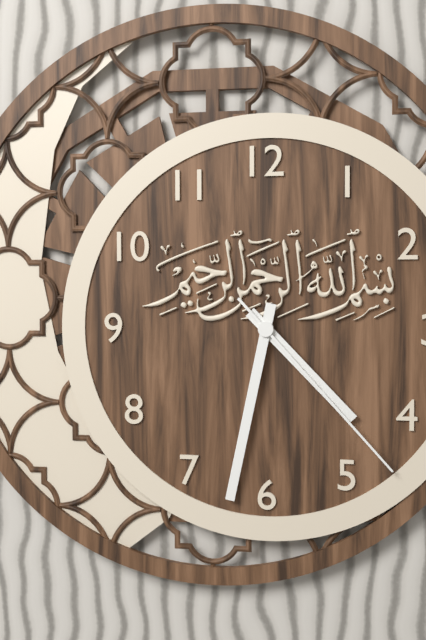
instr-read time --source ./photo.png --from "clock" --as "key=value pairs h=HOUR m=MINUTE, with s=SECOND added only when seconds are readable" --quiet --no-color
h=4 m=32 s=23
